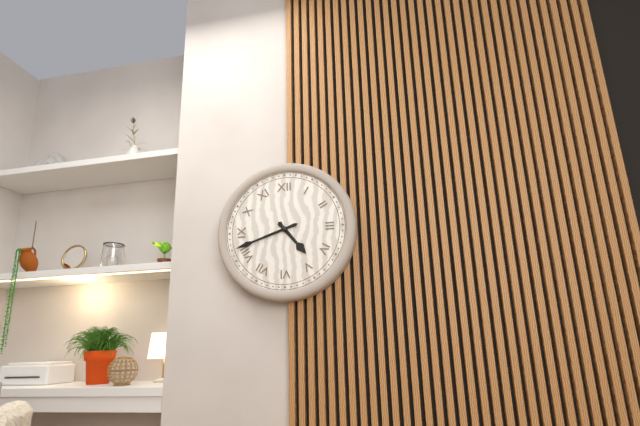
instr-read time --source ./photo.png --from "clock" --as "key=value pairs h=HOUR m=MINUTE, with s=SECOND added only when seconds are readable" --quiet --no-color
h=4 m=42
